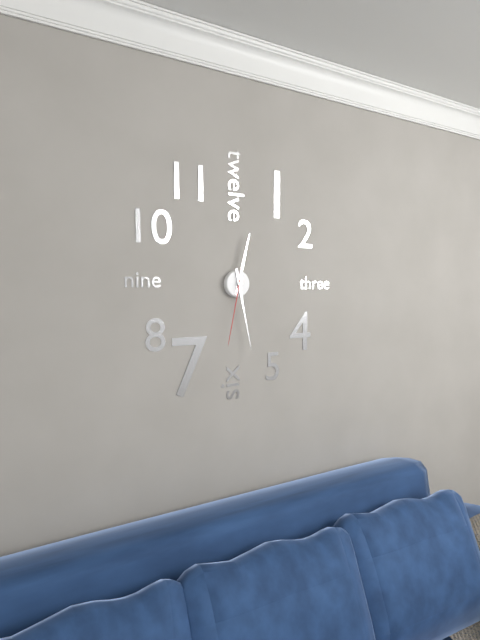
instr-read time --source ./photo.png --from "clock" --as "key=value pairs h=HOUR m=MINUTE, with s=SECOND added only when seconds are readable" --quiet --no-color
h=12 m=28 s=32
